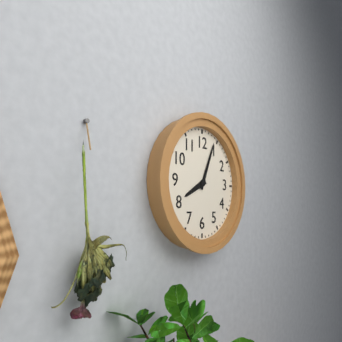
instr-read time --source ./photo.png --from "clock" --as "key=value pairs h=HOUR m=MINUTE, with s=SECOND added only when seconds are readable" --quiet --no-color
h=8 m=4
